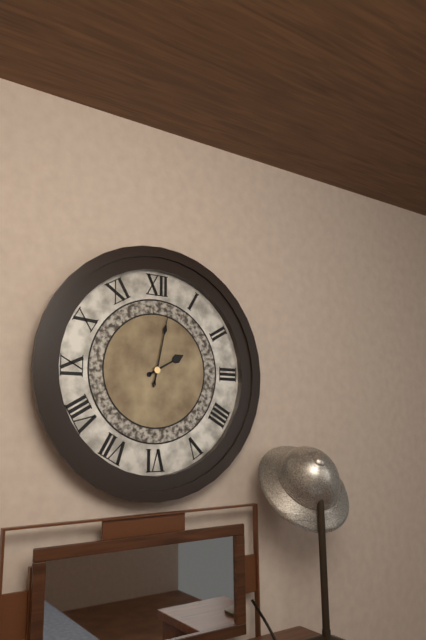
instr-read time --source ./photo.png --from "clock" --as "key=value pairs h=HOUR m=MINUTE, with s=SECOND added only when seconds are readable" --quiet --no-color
h=2 m=2
